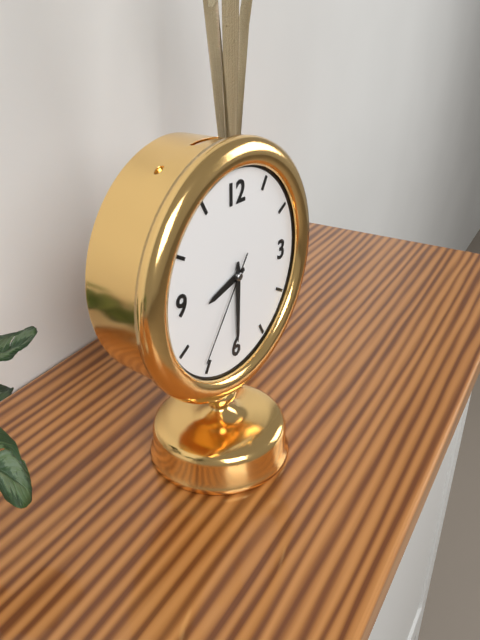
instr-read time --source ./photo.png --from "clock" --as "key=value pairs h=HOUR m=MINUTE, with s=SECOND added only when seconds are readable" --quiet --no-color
h=8 m=30 s=36
